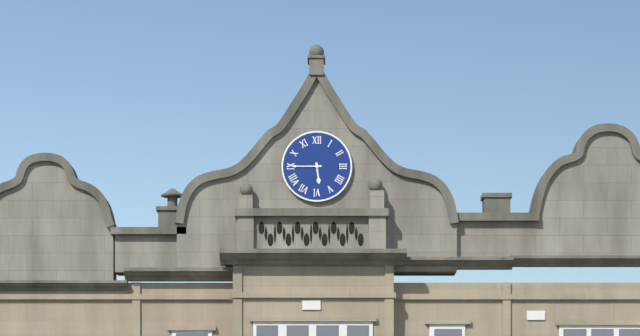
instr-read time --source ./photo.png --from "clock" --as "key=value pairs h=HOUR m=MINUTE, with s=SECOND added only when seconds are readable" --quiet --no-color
h=5 m=45
